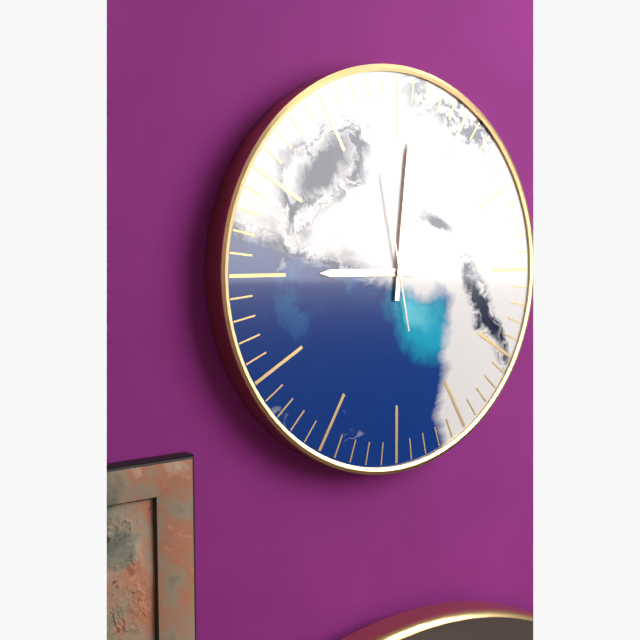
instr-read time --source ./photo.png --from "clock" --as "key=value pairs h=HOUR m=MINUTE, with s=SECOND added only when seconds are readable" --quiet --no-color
h=9 m=1 s=58
